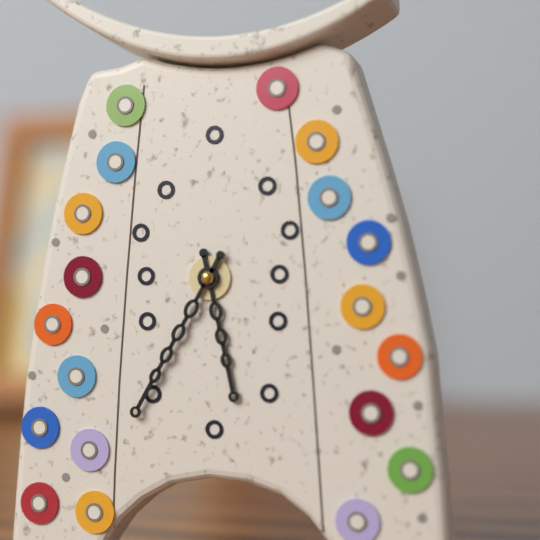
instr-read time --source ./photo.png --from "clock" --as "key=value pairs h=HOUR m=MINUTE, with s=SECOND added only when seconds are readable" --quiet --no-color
h=5 m=35
